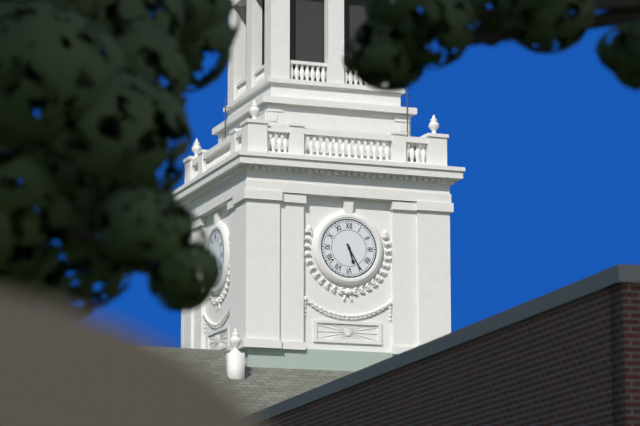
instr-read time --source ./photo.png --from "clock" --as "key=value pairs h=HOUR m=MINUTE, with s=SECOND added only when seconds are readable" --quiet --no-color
h=5 m=25
